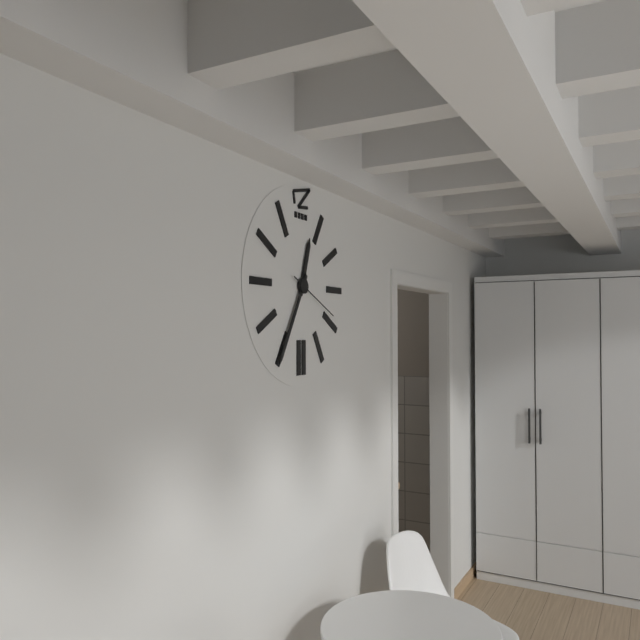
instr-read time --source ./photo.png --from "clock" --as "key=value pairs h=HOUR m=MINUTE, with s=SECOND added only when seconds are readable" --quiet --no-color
h=12 m=35 s=19
